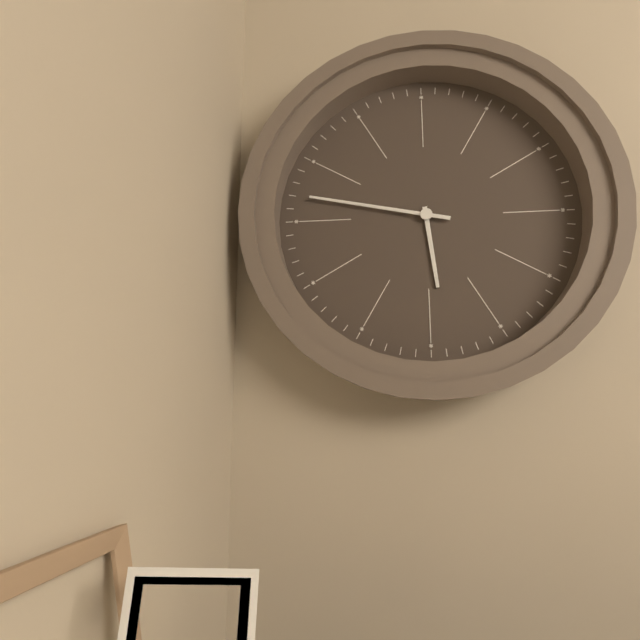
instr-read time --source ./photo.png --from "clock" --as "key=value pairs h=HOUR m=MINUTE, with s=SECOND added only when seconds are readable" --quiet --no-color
h=5 m=47
